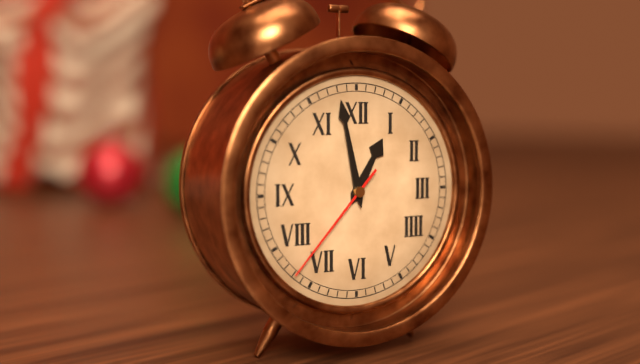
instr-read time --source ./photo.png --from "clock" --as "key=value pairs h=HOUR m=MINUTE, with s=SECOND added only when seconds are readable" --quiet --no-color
h=12 m=58 s=37
